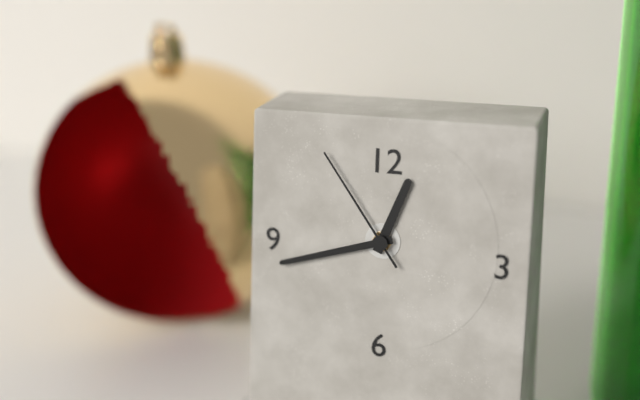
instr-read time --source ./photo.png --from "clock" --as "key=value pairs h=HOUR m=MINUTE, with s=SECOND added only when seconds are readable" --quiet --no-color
h=12 m=42 s=54
